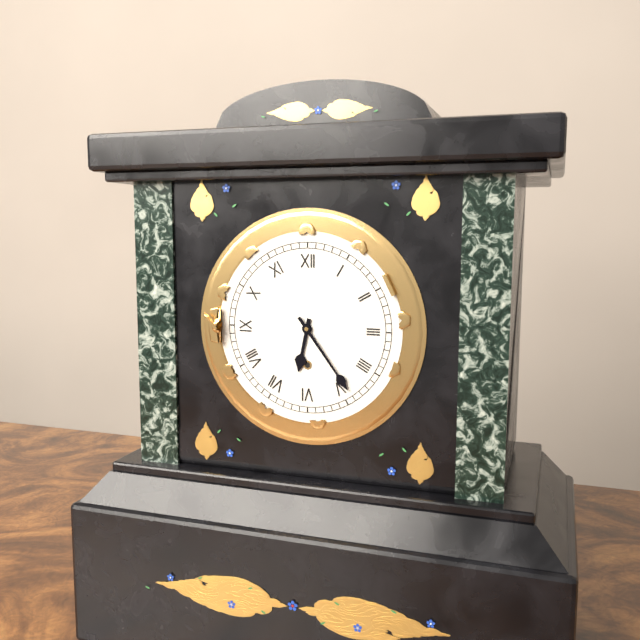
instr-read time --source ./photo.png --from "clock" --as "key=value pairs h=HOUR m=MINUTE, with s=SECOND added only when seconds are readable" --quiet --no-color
h=6 m=24
